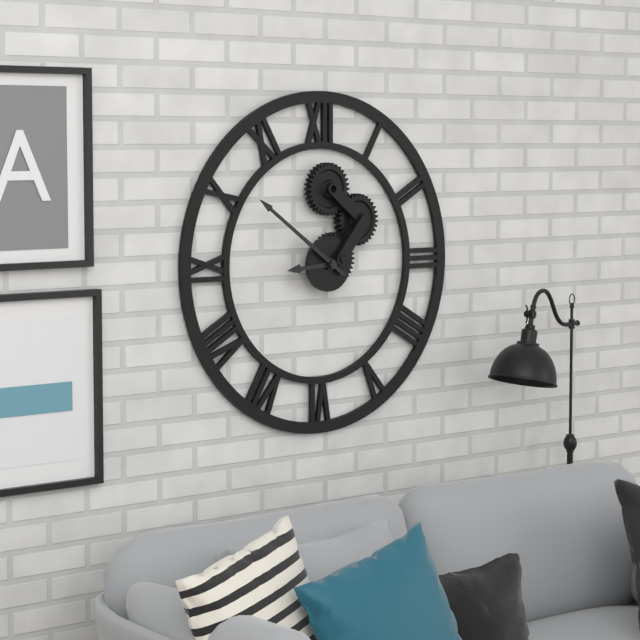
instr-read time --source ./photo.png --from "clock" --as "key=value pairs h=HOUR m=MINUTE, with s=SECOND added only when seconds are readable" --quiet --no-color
h=8 m=51
